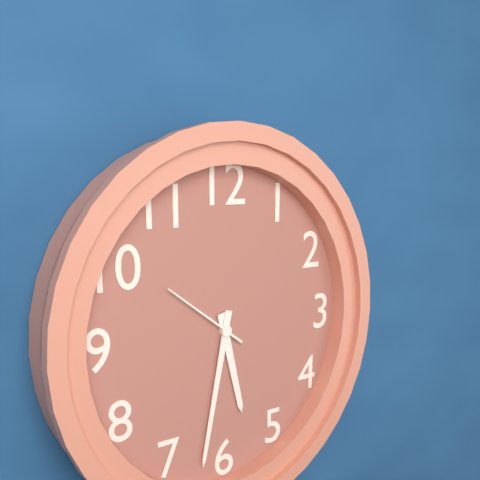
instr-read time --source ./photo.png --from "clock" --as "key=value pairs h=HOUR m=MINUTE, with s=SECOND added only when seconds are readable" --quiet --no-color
h=5 m=32 s=51
